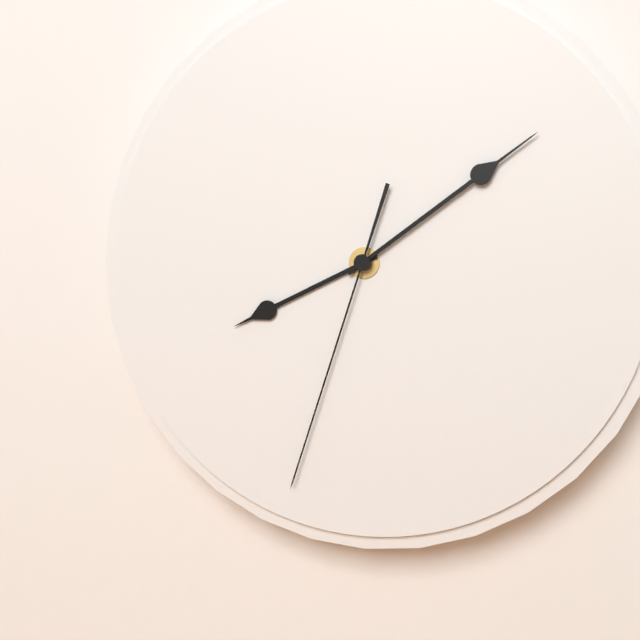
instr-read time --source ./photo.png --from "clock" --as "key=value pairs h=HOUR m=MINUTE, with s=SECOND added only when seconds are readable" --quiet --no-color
h=8 m=9 s=33
